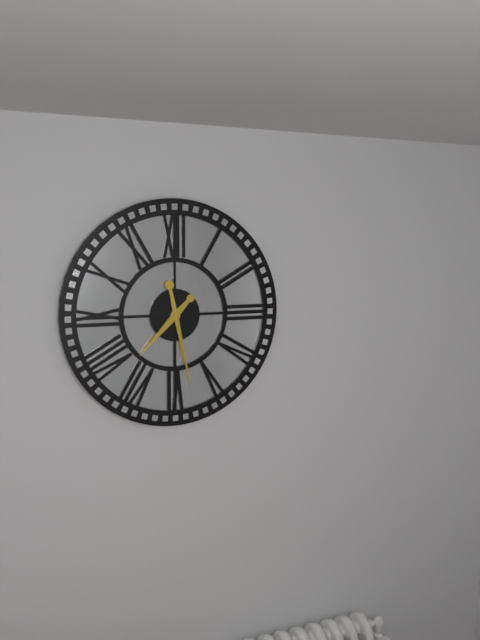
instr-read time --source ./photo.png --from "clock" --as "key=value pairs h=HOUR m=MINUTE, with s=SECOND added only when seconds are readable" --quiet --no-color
h=7 m=28
